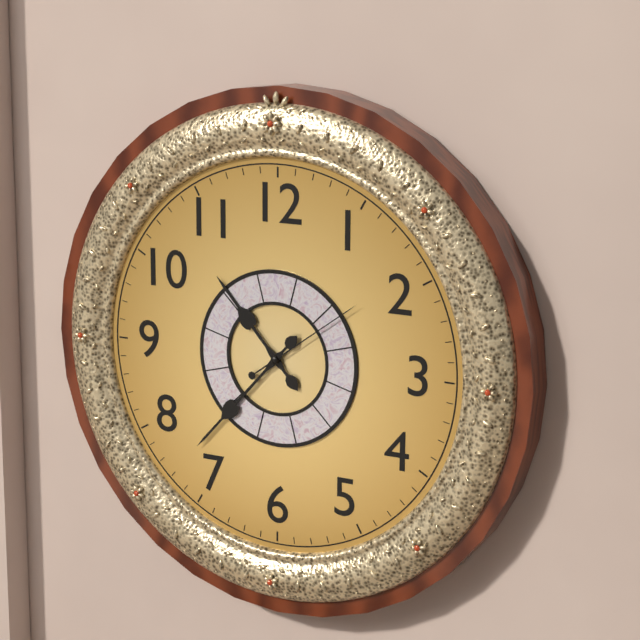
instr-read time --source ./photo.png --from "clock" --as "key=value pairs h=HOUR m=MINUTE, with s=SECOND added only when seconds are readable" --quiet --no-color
h=10 m=37 s=9
